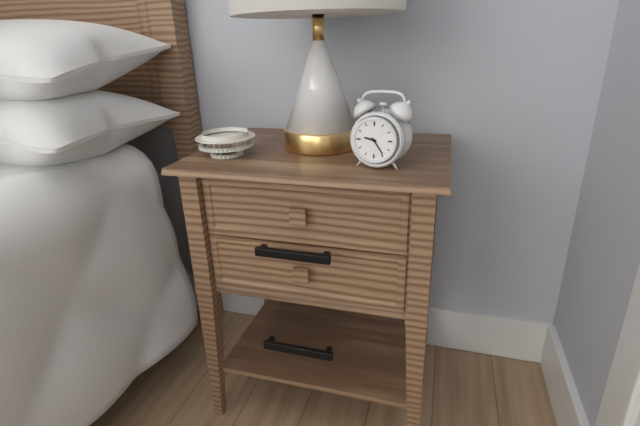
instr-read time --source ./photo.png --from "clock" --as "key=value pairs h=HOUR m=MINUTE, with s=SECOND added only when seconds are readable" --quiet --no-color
h=9 m=24
